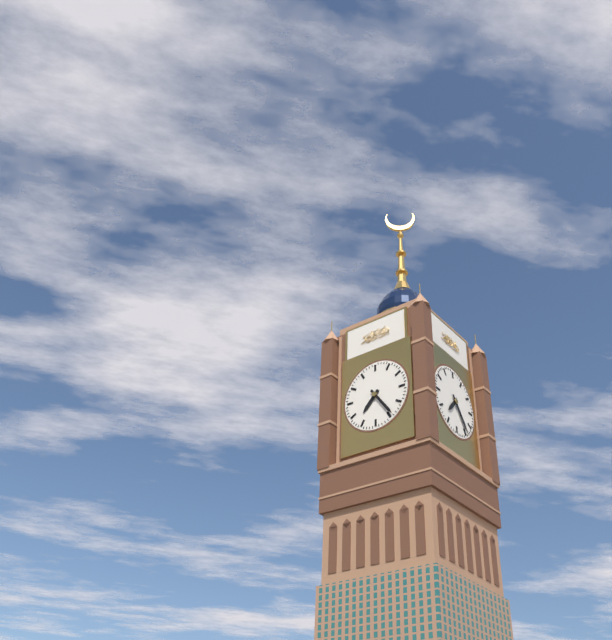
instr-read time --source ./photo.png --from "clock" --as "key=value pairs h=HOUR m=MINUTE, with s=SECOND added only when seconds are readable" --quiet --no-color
h=7 m=24
